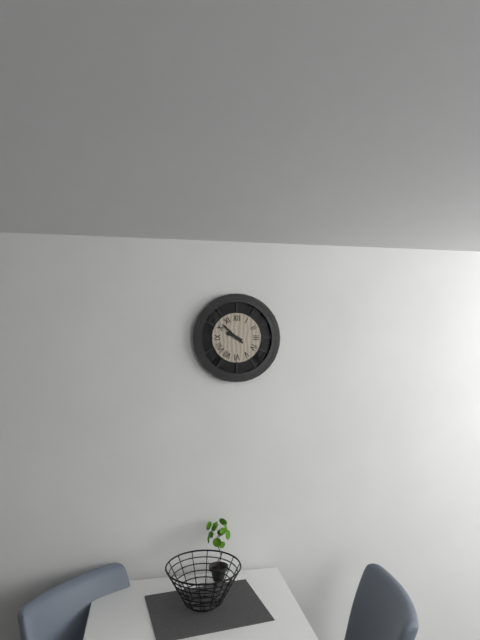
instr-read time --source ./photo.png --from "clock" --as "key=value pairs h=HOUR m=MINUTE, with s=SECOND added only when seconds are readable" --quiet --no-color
h=9 m=52
